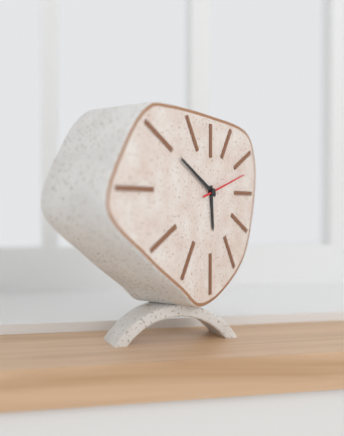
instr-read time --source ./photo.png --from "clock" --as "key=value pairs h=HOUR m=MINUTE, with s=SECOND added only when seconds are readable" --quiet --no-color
h=5 m=50
